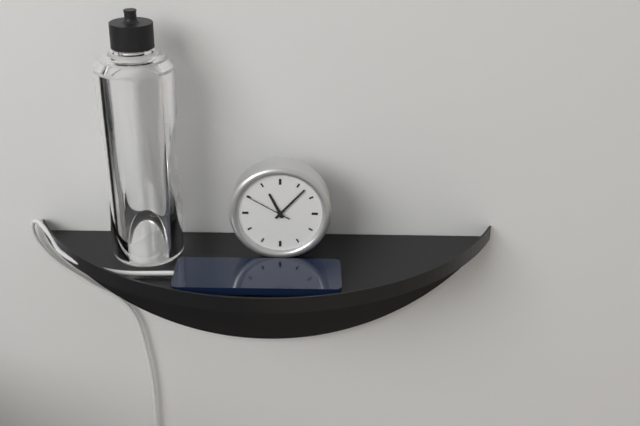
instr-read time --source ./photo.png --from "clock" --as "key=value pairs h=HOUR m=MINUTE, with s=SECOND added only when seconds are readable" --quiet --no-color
h=11 m=7
